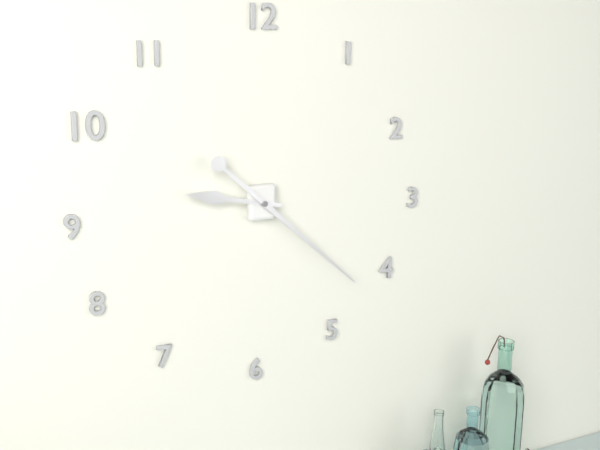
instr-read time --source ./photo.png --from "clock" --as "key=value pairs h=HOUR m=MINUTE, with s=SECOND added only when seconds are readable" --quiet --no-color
h=9 m=22
